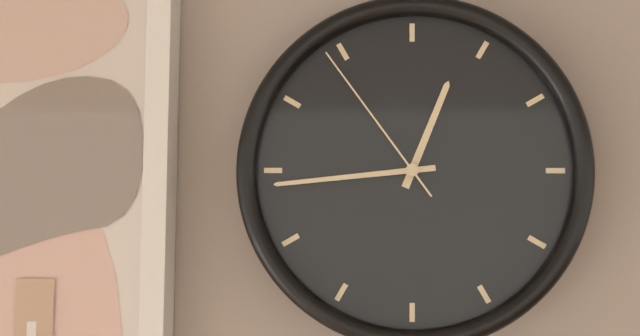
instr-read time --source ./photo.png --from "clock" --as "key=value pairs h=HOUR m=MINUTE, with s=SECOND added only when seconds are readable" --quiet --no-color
h=12 m=44 s=54
